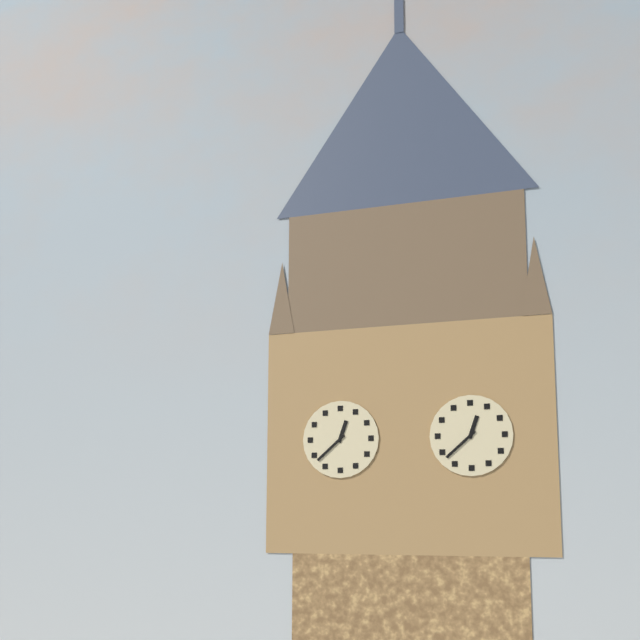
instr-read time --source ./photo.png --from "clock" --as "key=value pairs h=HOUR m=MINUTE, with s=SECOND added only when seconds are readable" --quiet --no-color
h=12 m=38
